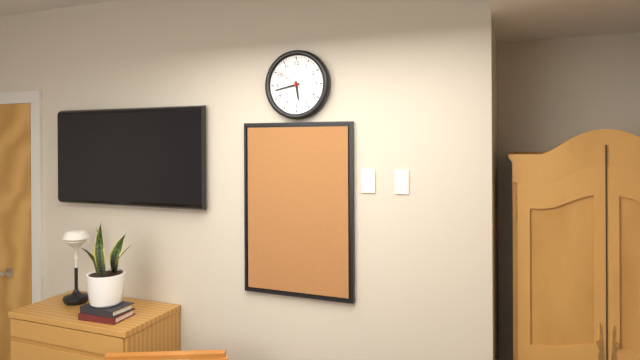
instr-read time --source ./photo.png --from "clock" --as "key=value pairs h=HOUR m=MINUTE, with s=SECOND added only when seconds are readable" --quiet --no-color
h=5 m=43
